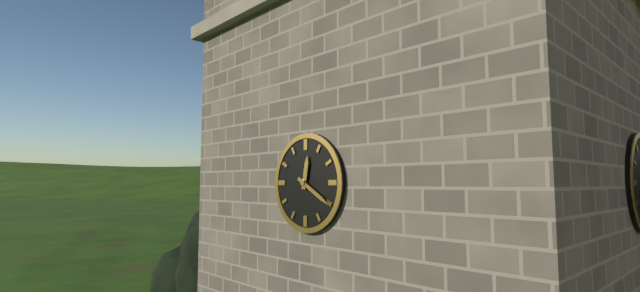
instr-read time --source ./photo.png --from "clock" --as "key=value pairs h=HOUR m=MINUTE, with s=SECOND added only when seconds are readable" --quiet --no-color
h=12 m=20
